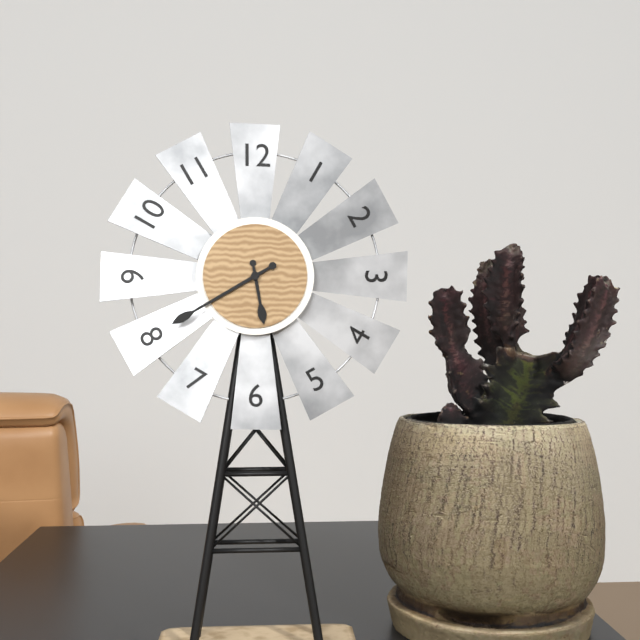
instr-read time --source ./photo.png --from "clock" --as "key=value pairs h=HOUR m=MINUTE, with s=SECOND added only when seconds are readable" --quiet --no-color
h=5 m=40
